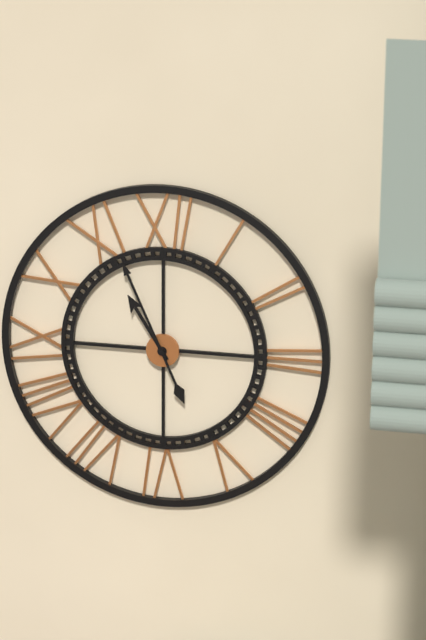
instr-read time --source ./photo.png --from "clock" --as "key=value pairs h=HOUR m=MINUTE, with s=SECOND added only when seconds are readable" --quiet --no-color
h=10 m=56
